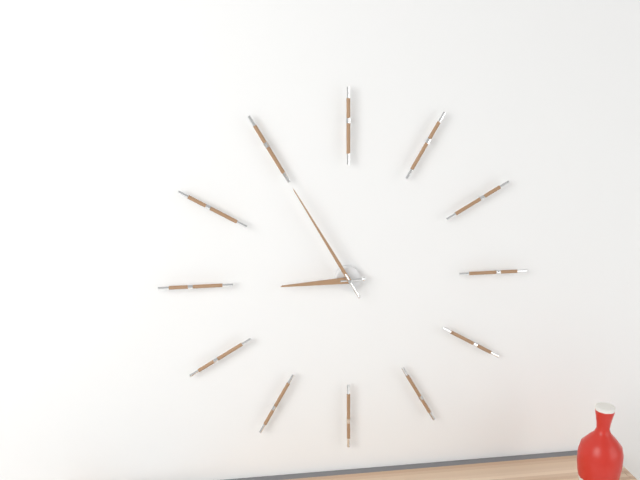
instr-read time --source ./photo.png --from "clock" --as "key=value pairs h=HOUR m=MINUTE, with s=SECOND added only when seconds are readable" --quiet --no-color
h=8 m=55
